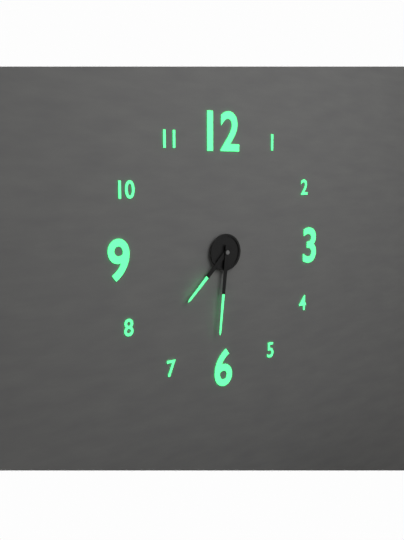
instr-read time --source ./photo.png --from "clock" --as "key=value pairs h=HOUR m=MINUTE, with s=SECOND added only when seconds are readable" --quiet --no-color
h=7 m=31
